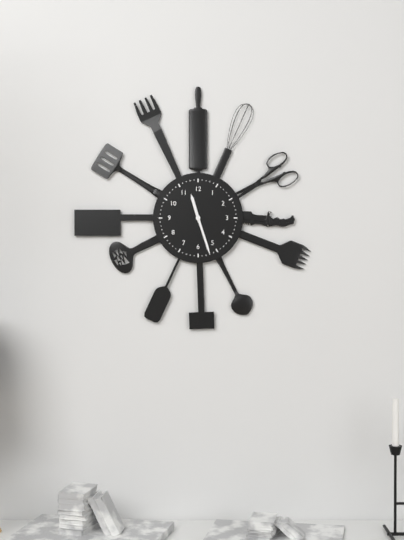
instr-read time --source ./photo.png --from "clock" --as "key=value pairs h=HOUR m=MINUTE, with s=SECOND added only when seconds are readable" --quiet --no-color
h=11 m=27
